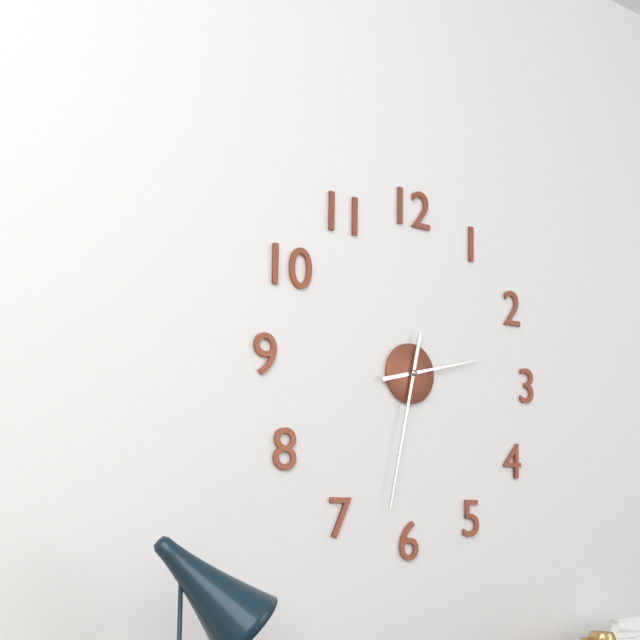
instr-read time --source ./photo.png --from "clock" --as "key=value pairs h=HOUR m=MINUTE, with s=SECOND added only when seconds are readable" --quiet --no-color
h=2 m=32
